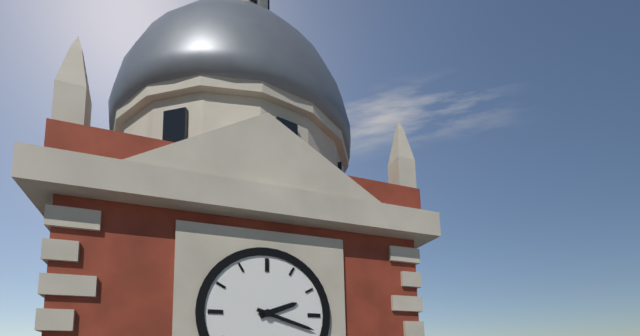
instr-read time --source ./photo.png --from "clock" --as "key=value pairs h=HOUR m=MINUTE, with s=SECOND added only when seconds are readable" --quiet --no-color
h=2 m=18
